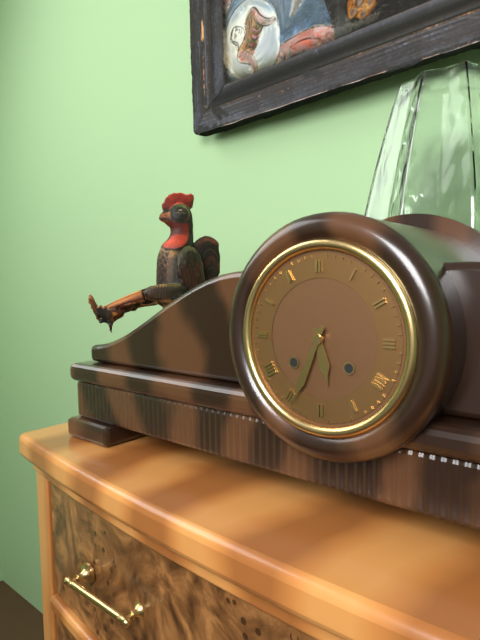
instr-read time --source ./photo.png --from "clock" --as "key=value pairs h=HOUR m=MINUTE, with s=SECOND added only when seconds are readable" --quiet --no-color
h=5 m=34
